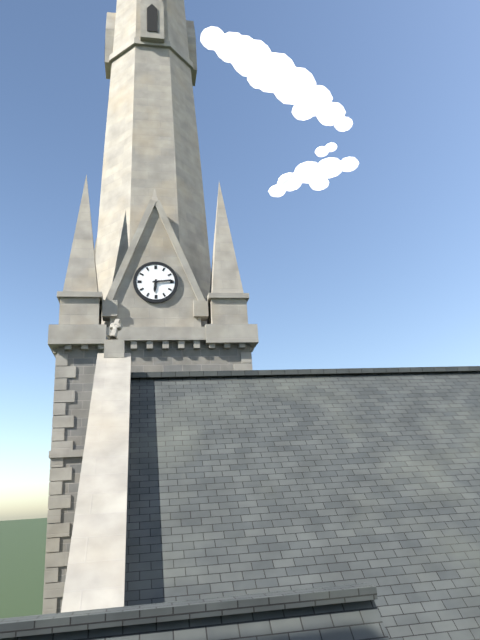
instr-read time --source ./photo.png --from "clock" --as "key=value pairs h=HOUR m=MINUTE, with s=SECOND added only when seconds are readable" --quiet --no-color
h=6 m=14
